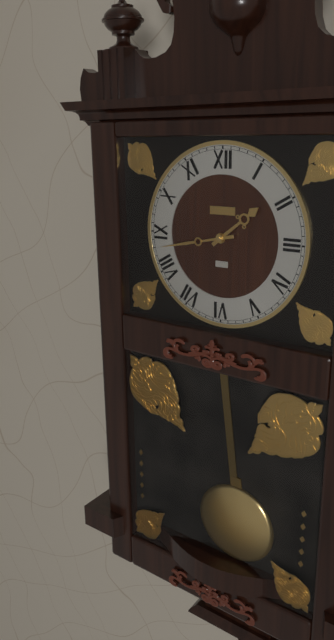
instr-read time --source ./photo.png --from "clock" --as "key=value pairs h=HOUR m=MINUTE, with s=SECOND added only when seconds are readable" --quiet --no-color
h=1 m=43
